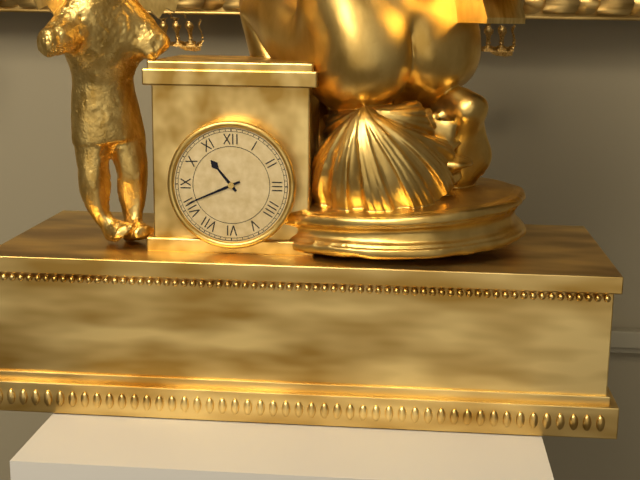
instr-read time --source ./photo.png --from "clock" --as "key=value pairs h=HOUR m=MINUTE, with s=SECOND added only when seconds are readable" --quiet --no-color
h=10 m=41
